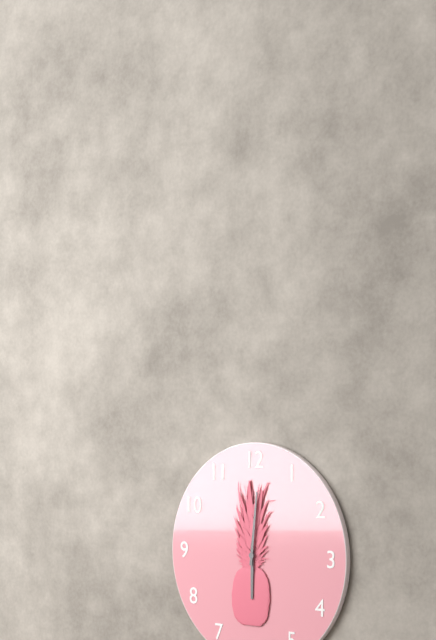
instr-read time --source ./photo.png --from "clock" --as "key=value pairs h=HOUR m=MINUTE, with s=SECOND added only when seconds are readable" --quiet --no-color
h=6 m=1
